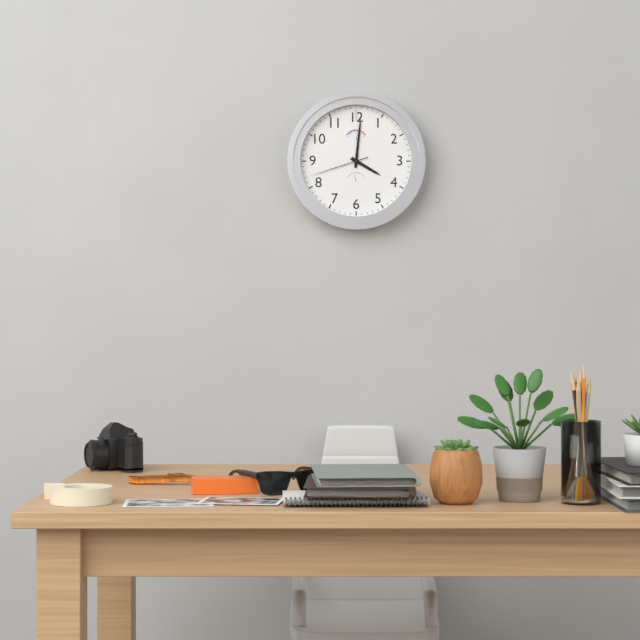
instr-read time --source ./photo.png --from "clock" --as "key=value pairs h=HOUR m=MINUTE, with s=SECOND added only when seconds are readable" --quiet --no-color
h=4 m=1 s=42
